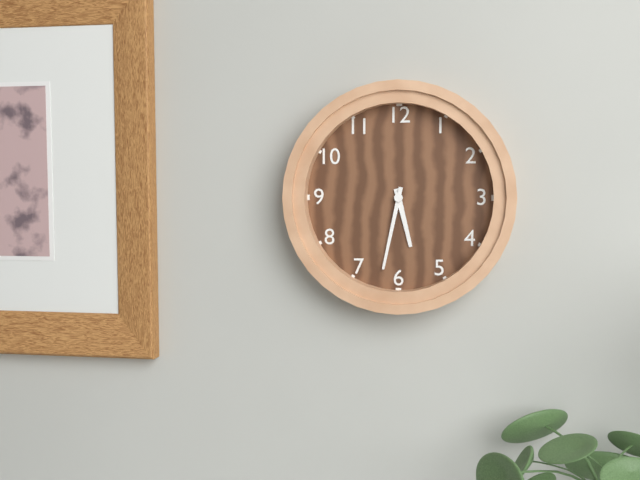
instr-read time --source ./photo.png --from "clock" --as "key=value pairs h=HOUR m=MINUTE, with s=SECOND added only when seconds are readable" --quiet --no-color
h=5 m=32
